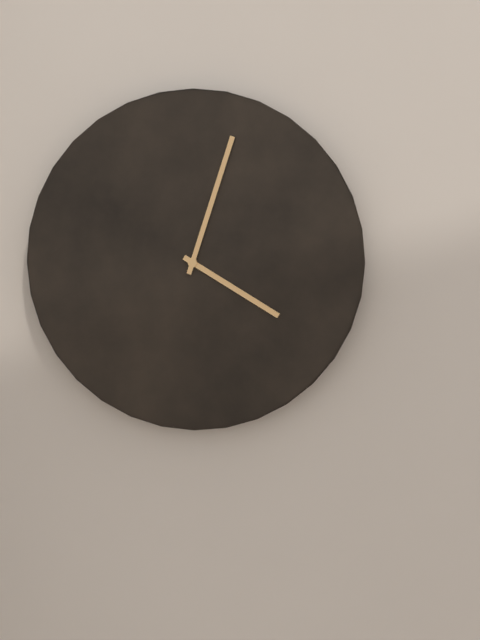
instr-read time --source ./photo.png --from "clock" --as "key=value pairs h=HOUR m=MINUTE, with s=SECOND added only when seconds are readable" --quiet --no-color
h=4 m=3
